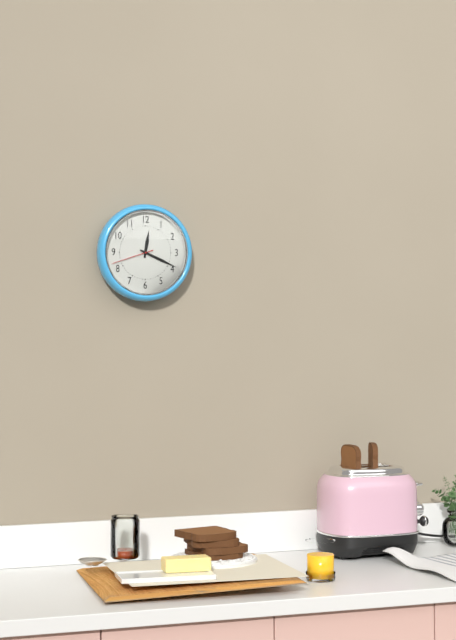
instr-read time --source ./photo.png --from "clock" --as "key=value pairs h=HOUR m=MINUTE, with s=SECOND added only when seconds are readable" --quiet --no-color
h=12 m=19
